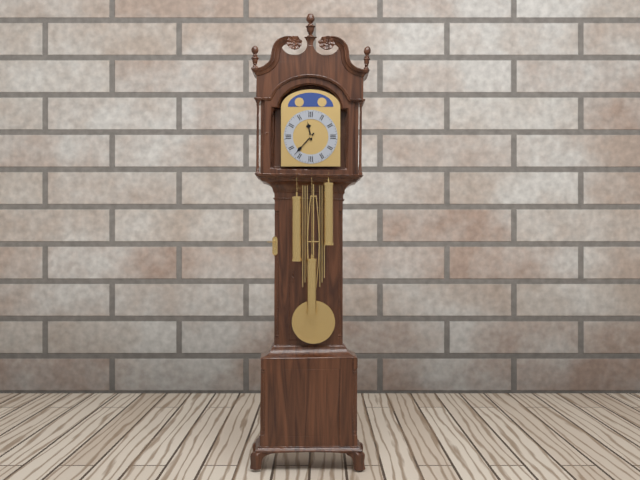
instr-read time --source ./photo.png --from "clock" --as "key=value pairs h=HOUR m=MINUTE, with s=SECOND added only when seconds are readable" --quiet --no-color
h=11 m=37
